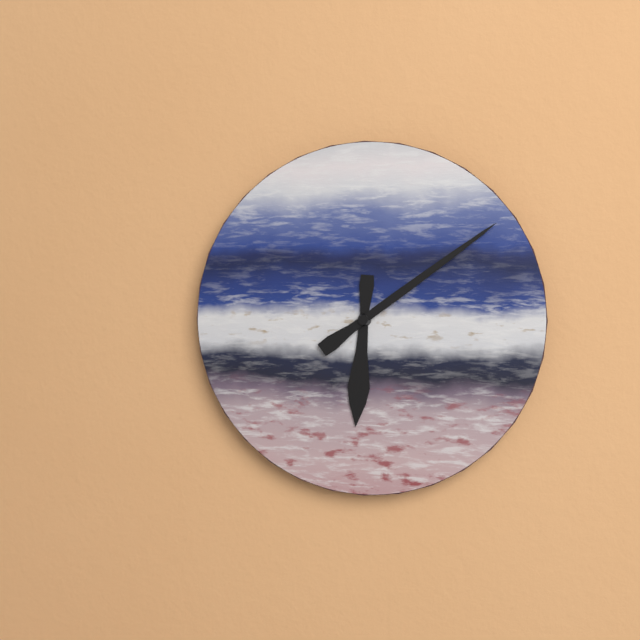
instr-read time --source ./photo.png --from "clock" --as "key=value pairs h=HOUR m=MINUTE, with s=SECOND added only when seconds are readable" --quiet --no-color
h=6 m=9
